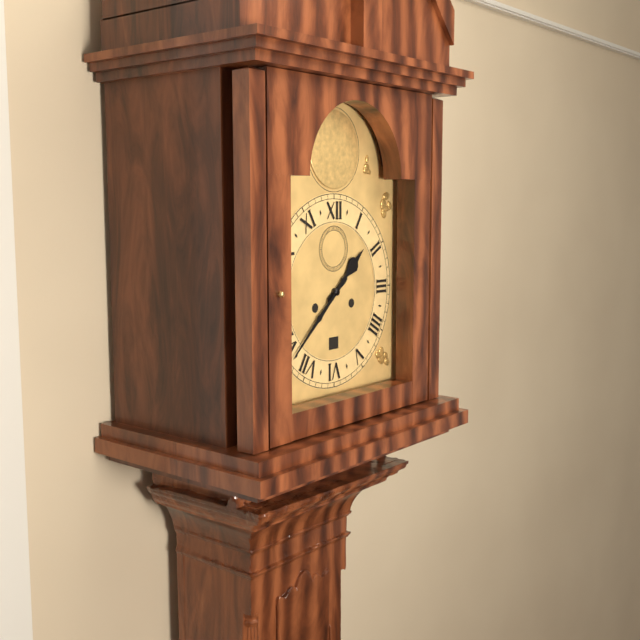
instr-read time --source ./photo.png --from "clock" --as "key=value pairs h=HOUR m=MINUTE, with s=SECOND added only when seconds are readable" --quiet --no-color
h=1 m=38
